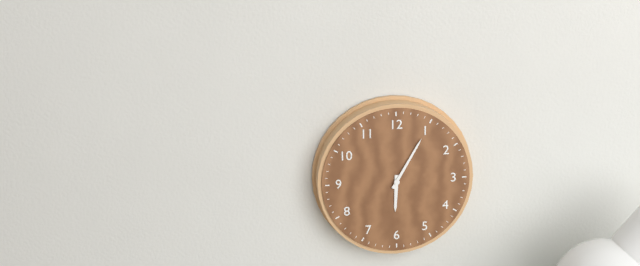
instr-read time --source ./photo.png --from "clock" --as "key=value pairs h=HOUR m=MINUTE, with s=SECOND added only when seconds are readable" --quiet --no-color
h=6 m=5
